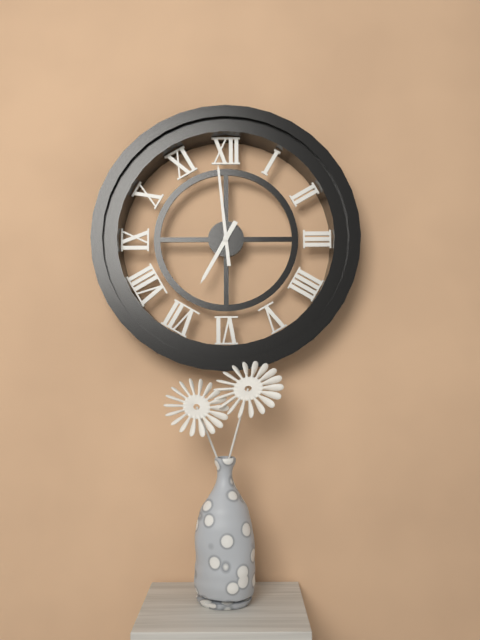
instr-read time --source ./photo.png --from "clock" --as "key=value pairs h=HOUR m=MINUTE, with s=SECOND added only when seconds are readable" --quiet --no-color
h=6 m=59
